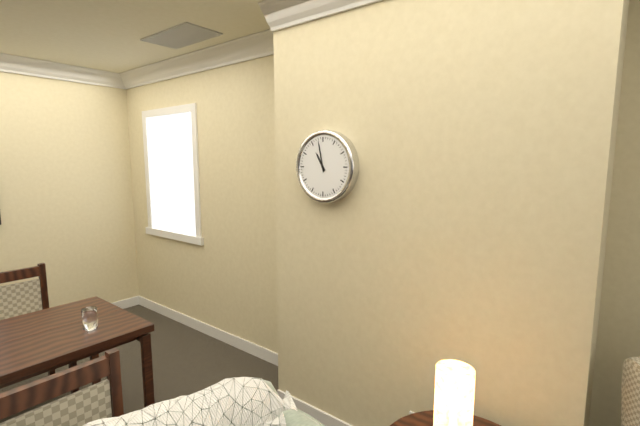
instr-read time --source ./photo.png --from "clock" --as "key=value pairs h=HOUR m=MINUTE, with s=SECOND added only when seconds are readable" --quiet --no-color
h=10 m=58
